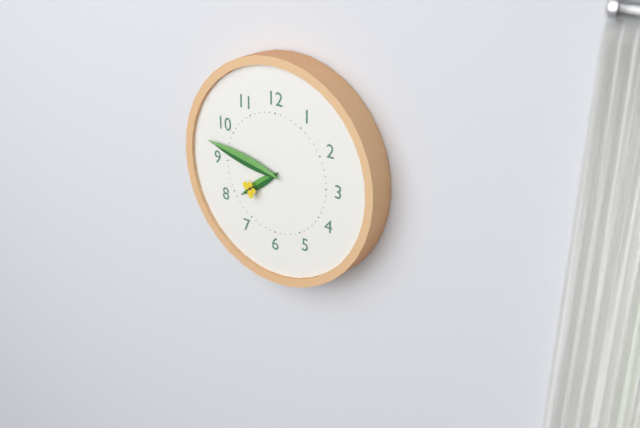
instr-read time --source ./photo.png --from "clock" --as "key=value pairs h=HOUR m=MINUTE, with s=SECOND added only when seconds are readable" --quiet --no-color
h=7 m=47
